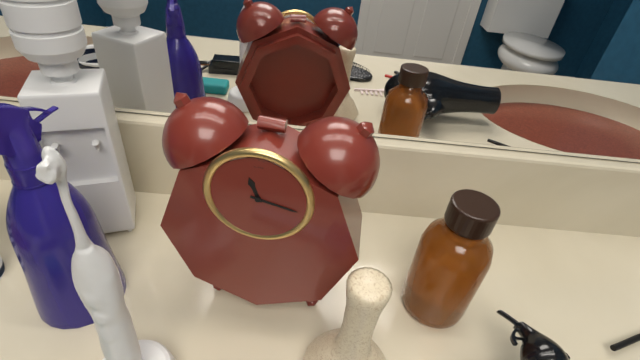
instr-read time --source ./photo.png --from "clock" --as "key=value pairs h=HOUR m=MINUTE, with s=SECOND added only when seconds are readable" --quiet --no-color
h=11 m=17
